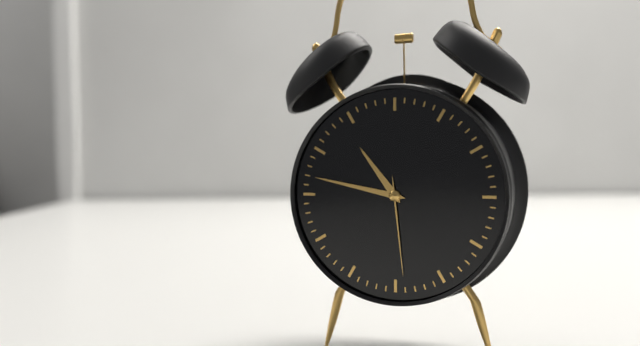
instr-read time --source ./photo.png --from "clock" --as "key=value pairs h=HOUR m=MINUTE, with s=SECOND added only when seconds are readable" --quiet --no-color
h=10 m=47 s=29
